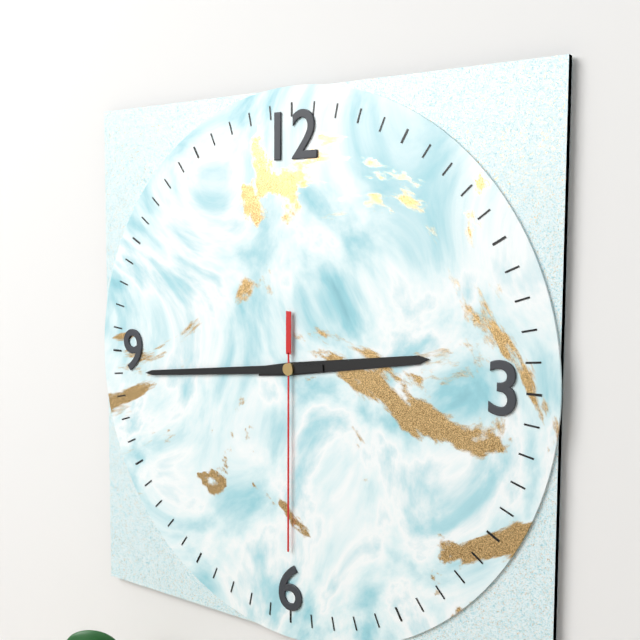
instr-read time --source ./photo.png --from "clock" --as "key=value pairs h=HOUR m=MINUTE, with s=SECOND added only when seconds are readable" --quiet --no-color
h=2 m=44 s=30
